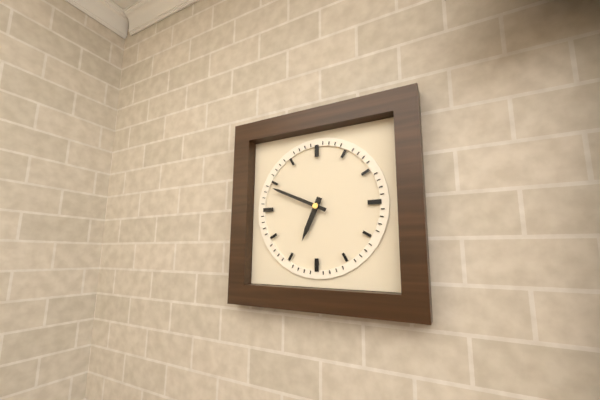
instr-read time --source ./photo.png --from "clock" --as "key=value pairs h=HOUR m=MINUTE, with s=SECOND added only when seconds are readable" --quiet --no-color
h=6 m=49
